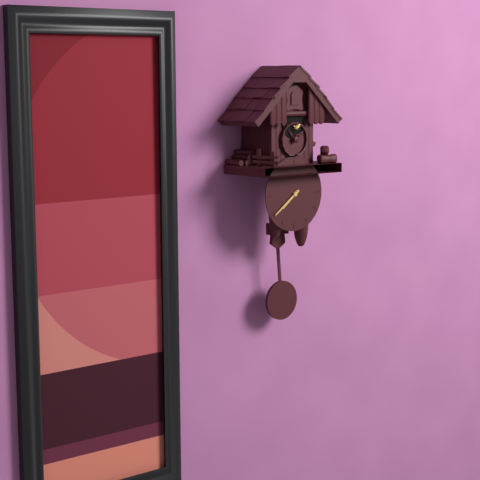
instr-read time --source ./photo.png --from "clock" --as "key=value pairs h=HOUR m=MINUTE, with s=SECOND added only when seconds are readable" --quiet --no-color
h=7 m=39
